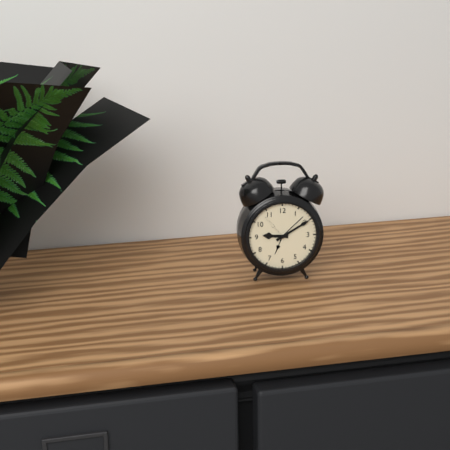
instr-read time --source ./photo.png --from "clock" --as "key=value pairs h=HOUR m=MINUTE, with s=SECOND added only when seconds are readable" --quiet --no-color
h=9 m=10
